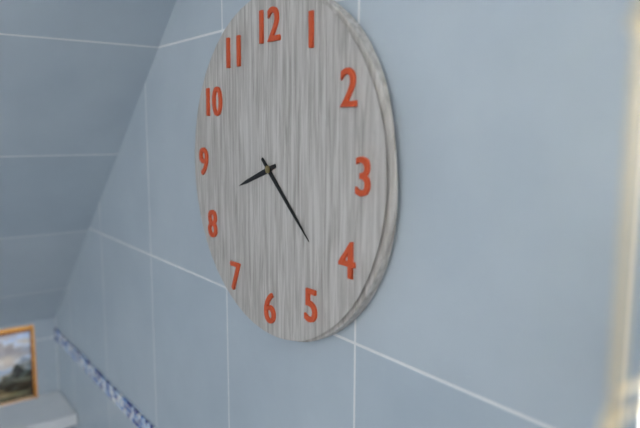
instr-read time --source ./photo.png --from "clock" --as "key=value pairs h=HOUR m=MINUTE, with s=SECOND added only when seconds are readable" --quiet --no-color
h=8 m=22
